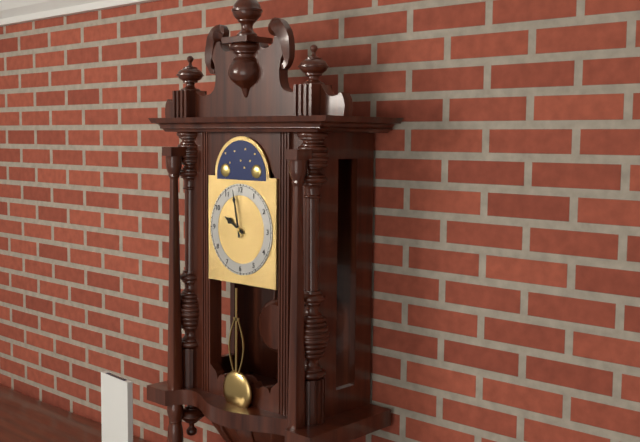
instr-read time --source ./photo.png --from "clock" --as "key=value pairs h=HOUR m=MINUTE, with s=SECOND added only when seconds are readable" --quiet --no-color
h=9 m=58
